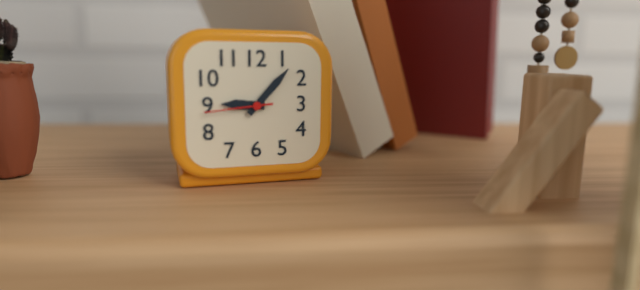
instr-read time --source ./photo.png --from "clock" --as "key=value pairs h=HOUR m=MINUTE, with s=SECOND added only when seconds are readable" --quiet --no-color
h=9 m=7 s=44
